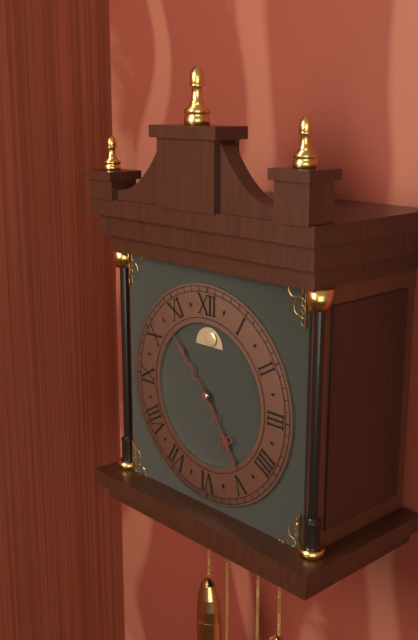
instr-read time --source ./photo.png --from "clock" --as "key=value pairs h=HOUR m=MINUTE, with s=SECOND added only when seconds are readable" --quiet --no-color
h=4 m=53
